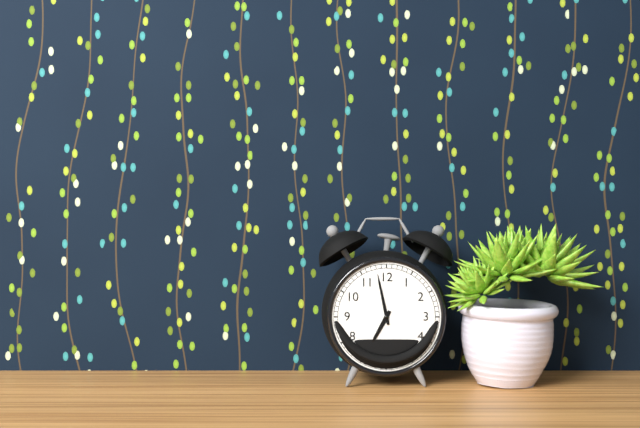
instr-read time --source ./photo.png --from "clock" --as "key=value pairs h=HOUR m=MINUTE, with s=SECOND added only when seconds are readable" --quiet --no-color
h=6 m=58
